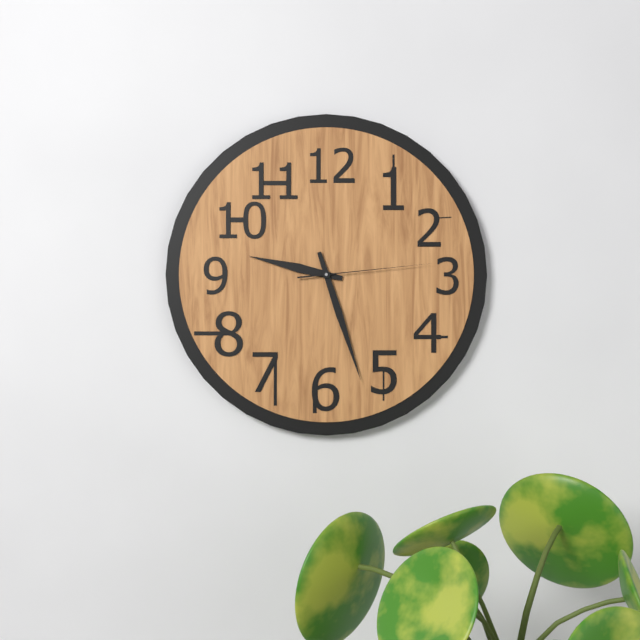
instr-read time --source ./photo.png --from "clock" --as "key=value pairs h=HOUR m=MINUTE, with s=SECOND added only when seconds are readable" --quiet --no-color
h=9 m=27 s=14
